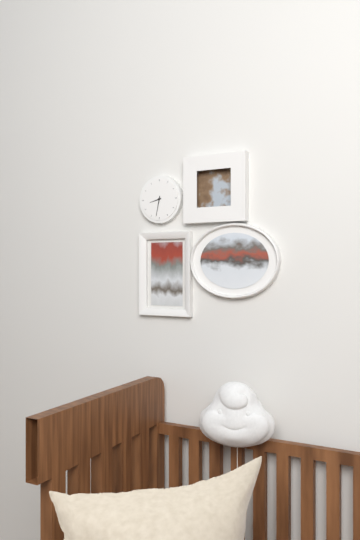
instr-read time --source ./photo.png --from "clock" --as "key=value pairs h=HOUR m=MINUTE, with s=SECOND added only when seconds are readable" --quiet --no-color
h=8 m=32
